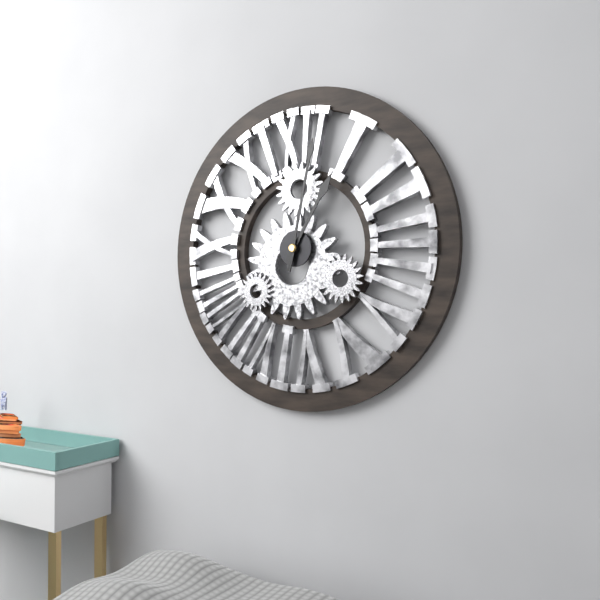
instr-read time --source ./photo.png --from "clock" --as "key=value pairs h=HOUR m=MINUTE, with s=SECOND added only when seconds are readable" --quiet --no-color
h=1 m=2
